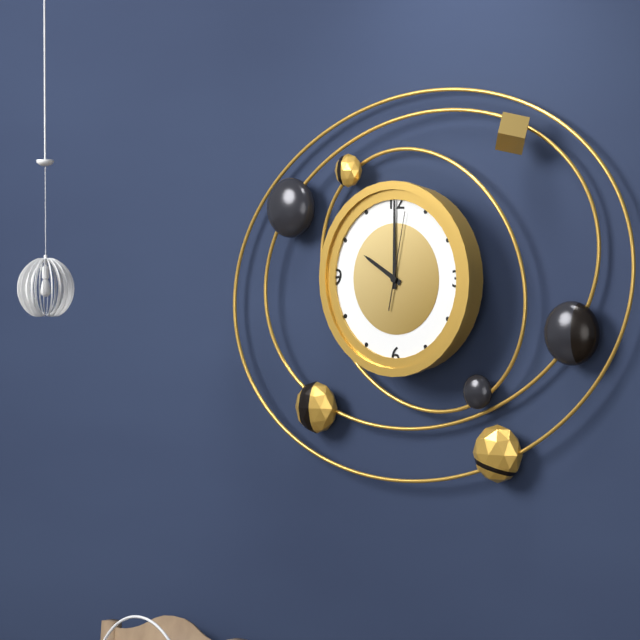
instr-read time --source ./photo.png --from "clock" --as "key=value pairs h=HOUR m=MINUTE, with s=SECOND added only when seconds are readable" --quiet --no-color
h=10 m=0 s=2
